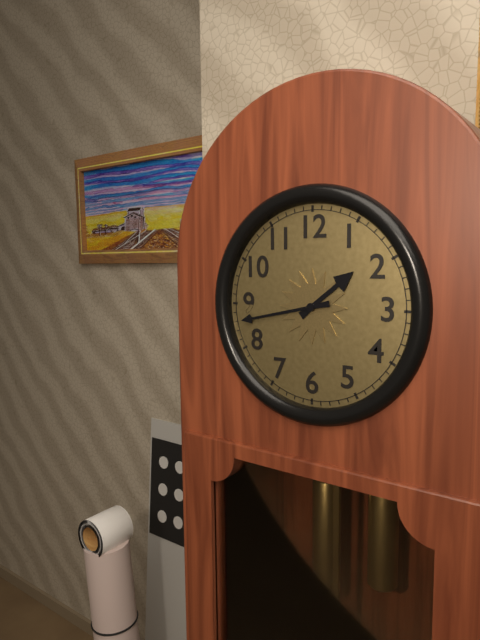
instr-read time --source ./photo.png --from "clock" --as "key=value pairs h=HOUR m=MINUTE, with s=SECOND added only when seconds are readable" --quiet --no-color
h=1 m=43
